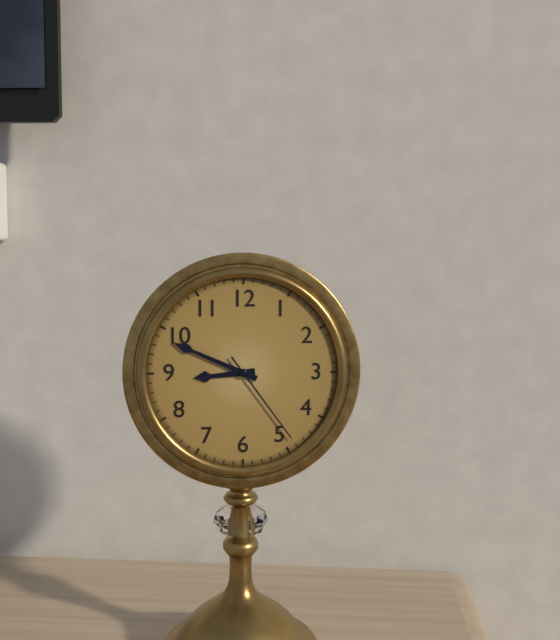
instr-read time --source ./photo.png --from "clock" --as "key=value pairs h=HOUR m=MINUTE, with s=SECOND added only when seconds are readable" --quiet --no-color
h=8 m=49 s=24
